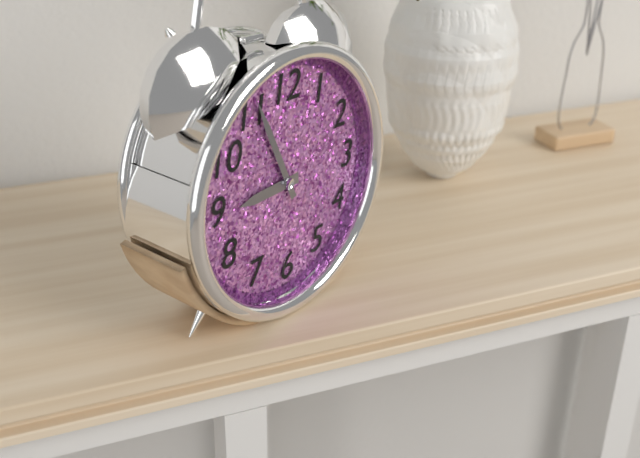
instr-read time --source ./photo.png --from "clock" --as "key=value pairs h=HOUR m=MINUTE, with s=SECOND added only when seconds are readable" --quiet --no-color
h=8 m=56
